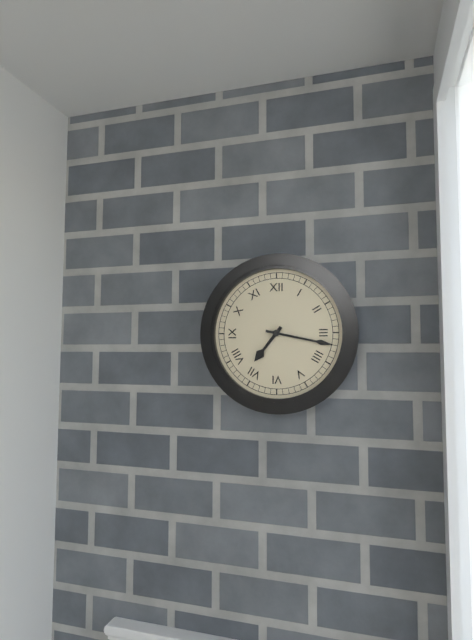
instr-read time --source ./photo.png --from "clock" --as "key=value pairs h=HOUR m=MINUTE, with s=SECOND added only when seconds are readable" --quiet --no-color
h=7 m=17
